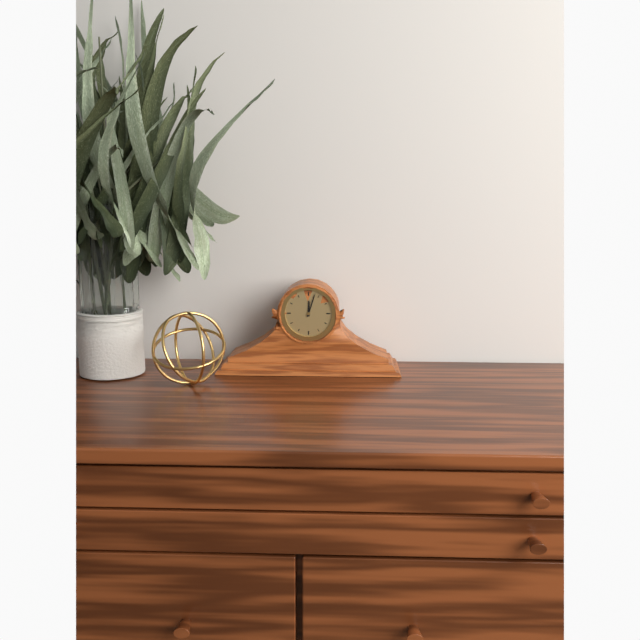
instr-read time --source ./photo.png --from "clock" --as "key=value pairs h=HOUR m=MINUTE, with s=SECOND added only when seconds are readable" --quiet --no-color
h=12 m=3
